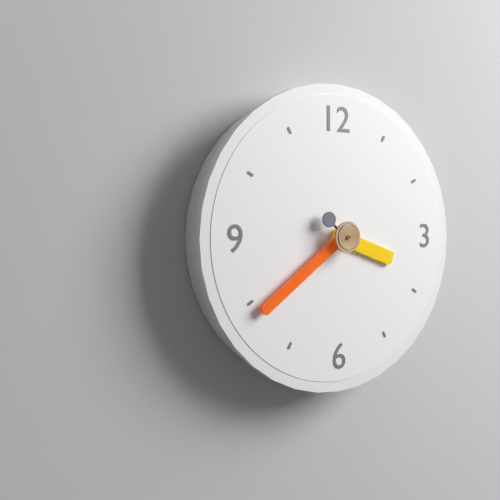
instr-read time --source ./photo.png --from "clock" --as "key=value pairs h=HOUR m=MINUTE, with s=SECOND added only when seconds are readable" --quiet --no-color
h=3 m=39
